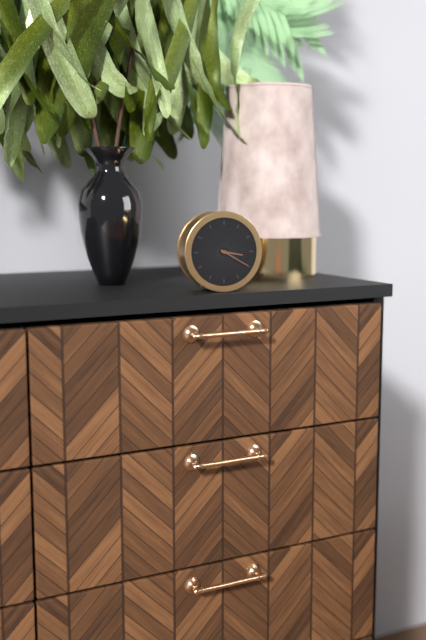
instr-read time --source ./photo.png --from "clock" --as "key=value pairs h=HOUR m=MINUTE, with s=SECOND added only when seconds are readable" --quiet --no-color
h=3 m=20
